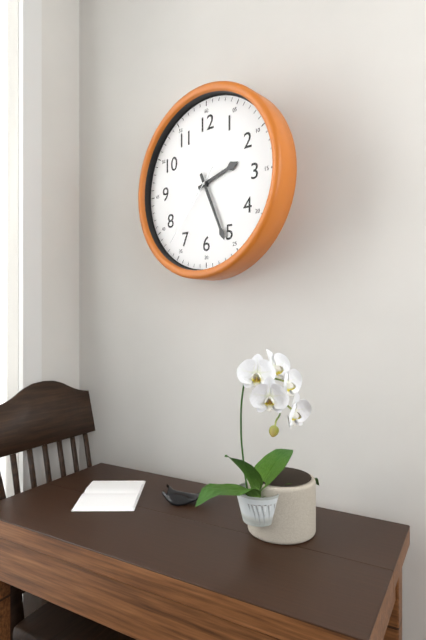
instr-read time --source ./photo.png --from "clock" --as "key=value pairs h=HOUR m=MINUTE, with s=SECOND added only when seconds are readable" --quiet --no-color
h=2 m=26 s=37
